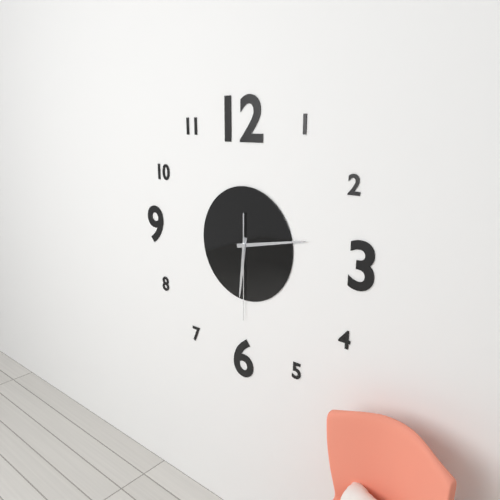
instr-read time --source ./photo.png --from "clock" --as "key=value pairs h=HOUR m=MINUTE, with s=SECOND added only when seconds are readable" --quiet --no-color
h=6 m=13 s=30
